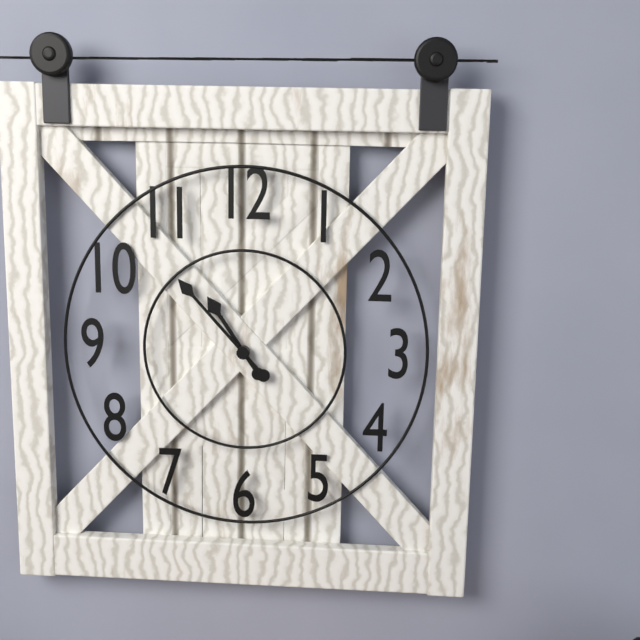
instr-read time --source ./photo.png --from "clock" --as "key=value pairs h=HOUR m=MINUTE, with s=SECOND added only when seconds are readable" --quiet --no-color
h=10 m=53
